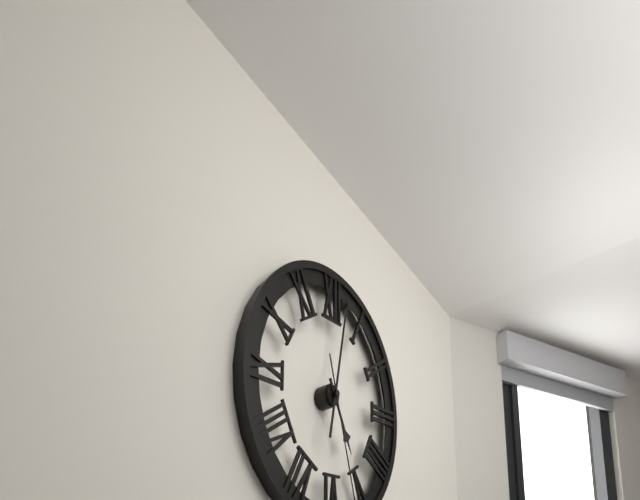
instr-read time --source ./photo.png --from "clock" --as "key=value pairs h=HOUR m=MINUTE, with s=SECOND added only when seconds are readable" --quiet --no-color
h=5 m=2
